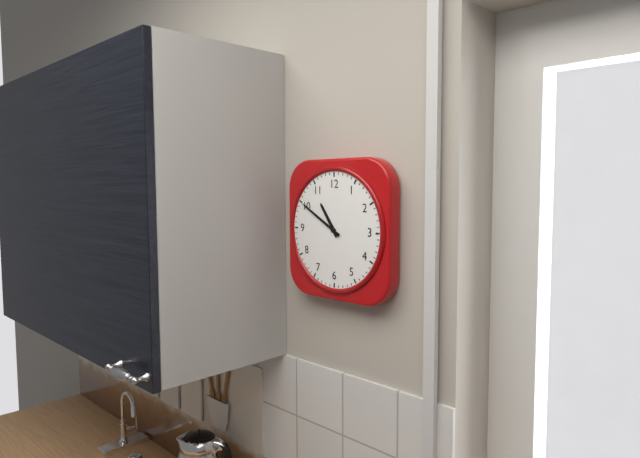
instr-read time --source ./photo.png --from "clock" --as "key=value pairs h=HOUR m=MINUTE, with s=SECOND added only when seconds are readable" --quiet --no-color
h=10 m=50
